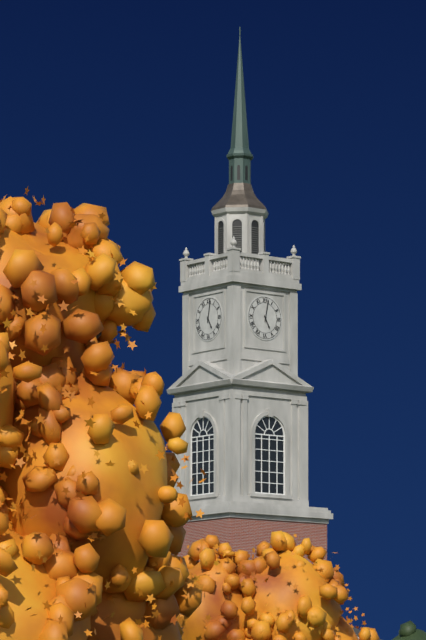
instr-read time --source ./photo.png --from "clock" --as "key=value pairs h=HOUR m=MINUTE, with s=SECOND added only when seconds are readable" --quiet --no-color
h=5 m=2
